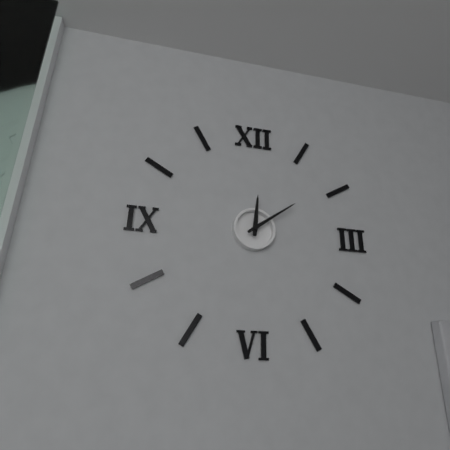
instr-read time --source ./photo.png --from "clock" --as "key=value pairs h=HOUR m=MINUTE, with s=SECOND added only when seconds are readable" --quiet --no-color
h=12 m=9
